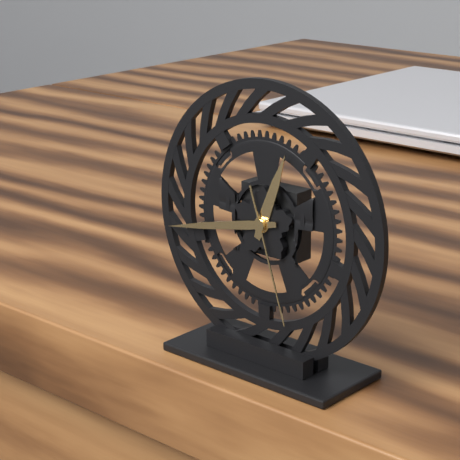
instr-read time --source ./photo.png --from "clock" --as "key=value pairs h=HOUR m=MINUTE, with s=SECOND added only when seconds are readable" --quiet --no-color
h=12 m=43 s=27
